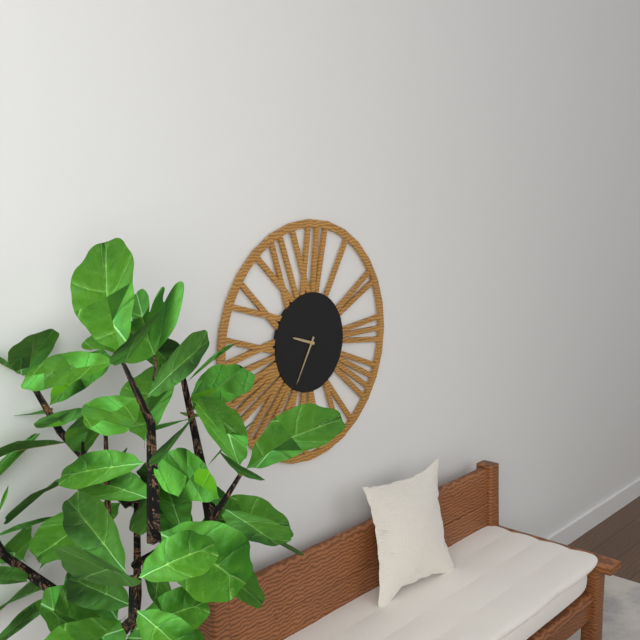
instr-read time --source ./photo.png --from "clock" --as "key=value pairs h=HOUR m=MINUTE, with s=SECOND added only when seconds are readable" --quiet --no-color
h=9 m=35
